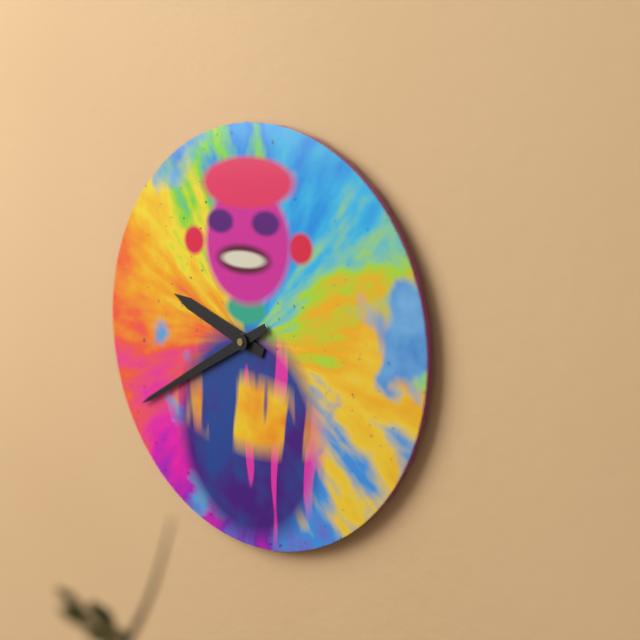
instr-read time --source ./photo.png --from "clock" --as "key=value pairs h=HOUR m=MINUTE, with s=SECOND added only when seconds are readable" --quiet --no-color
h=9 m=40
